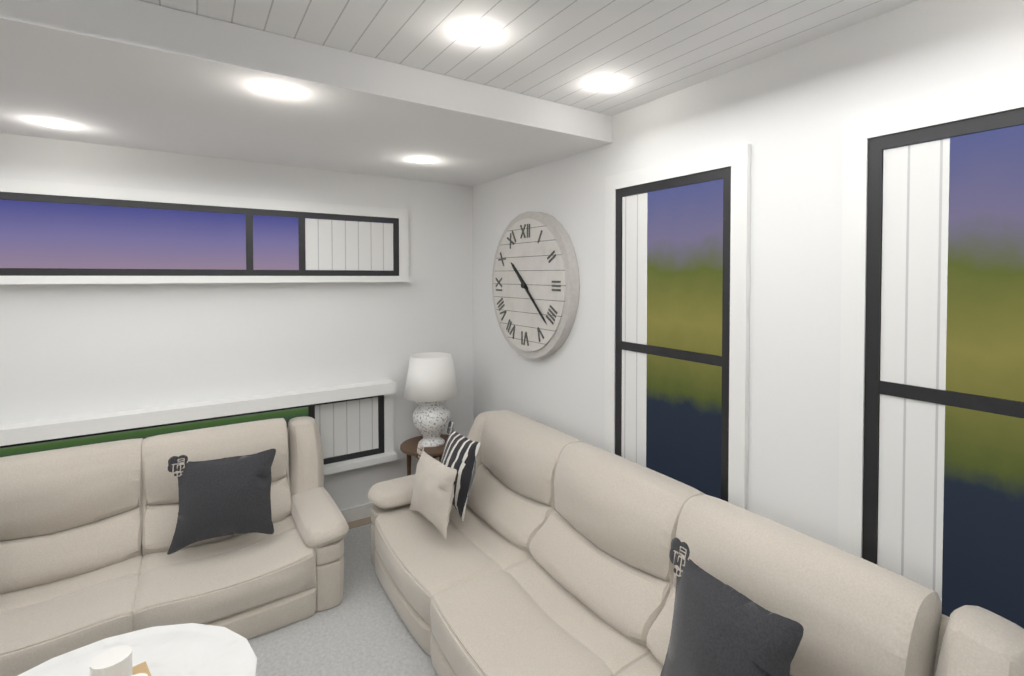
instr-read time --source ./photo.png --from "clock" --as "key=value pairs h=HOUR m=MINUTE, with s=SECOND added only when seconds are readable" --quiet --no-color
h=10 m=22
